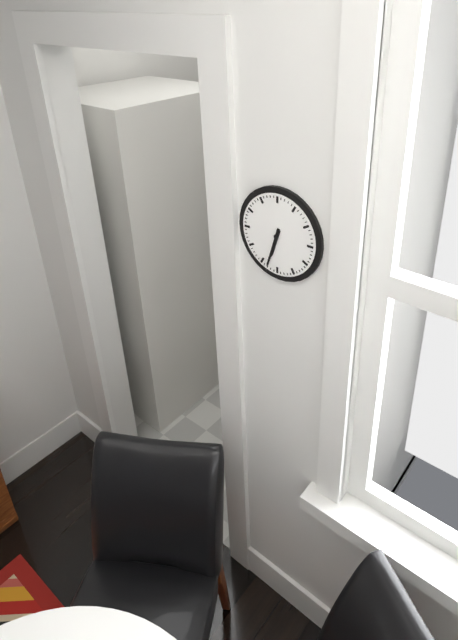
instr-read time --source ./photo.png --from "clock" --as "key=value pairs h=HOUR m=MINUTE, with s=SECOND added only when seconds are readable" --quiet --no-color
h=6 m=33
